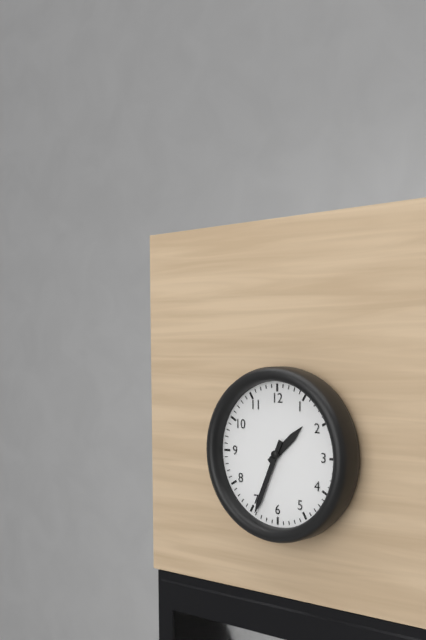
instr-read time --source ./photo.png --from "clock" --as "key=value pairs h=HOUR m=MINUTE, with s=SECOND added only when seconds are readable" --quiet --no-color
h=1 m=34
